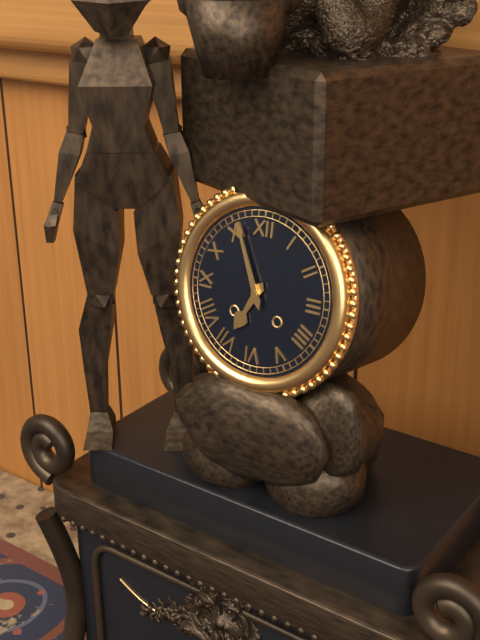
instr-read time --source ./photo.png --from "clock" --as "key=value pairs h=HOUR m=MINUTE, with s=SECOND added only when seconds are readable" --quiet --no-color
h=6 m=56
